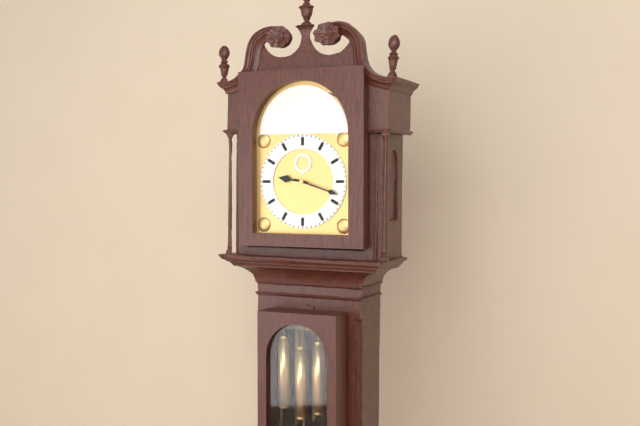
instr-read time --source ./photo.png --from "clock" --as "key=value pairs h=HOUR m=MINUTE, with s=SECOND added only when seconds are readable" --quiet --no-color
h=9 m=18
